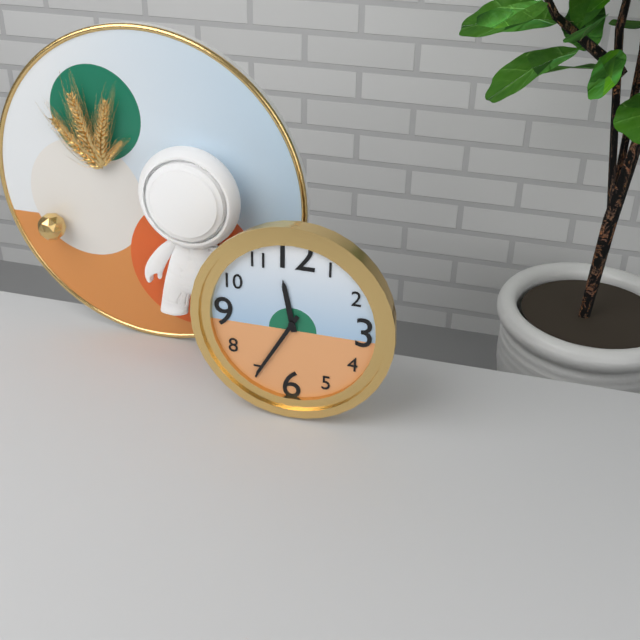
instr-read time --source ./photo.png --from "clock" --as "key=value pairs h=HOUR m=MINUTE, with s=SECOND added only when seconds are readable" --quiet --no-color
h=11 m=35
